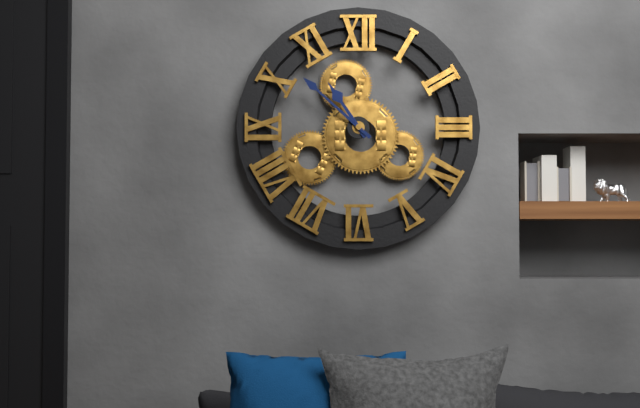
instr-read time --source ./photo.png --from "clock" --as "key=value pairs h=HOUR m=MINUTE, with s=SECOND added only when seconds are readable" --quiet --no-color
h=10 m=52
